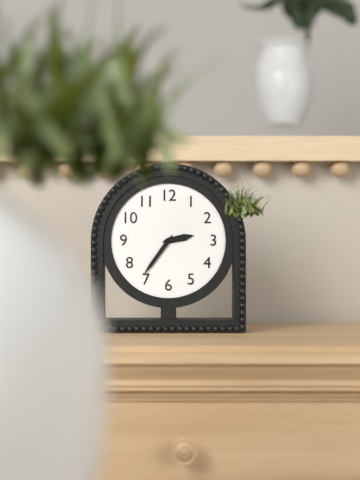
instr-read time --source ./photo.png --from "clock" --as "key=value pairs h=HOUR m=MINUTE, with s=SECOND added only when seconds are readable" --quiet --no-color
h=2 m=36
